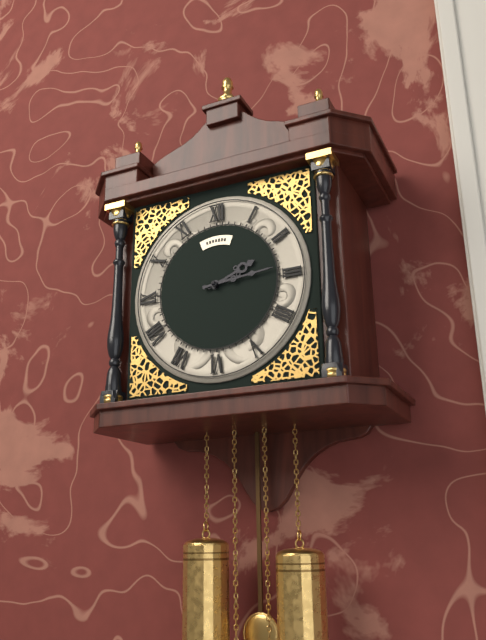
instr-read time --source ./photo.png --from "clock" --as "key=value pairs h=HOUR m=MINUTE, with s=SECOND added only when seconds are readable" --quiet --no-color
h=2 m=14
